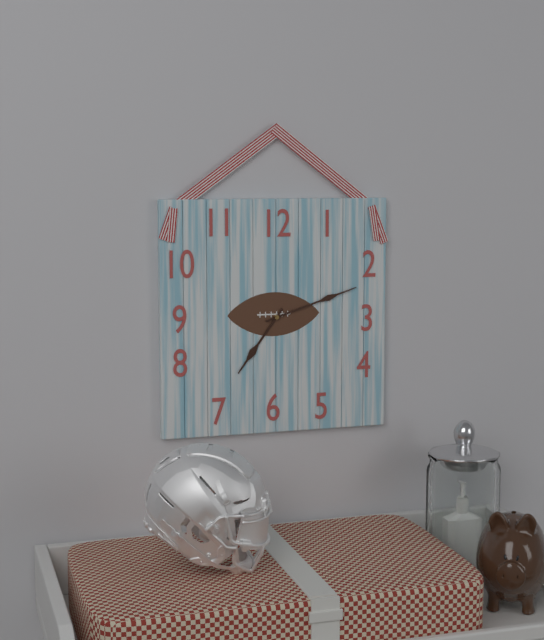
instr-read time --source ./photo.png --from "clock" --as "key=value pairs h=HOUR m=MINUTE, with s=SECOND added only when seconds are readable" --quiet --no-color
h=7 m=12
